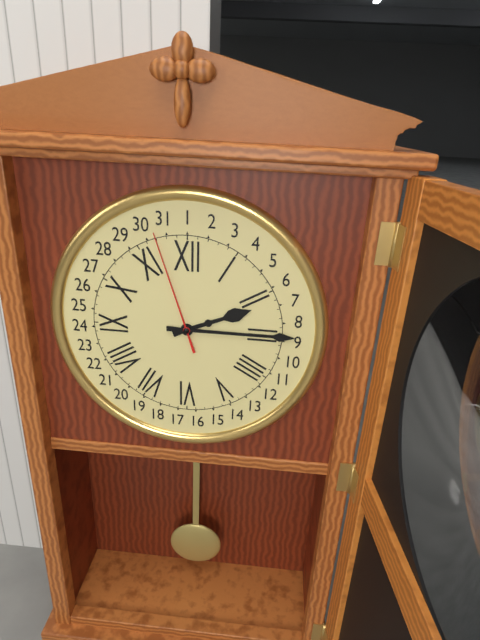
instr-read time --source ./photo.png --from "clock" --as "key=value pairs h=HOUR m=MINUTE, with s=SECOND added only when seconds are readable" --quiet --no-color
h=2 m=15 s=57
